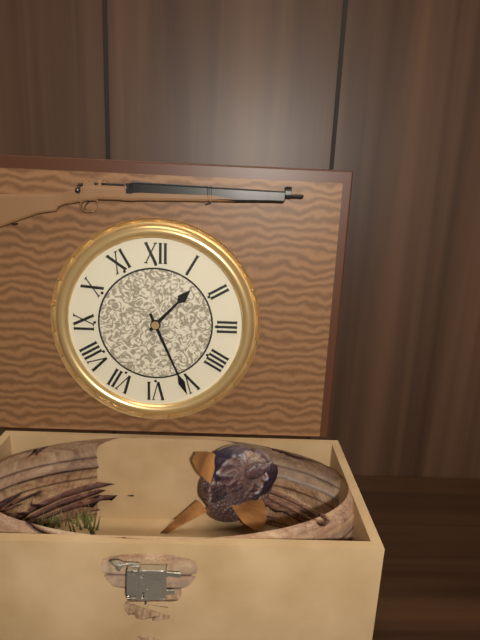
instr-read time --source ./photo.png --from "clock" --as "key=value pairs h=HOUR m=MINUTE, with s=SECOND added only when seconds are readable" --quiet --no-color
h=1 m=26
